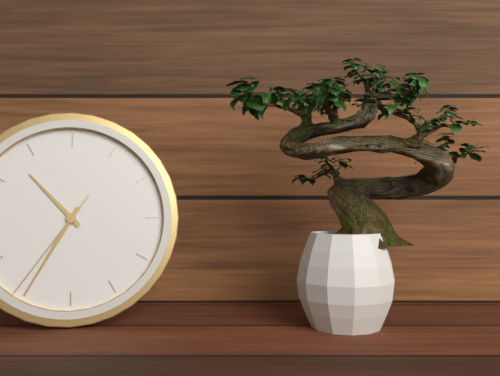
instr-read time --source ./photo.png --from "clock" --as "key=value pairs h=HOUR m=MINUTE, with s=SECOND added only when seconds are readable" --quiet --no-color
h=10 m=35 s=36
